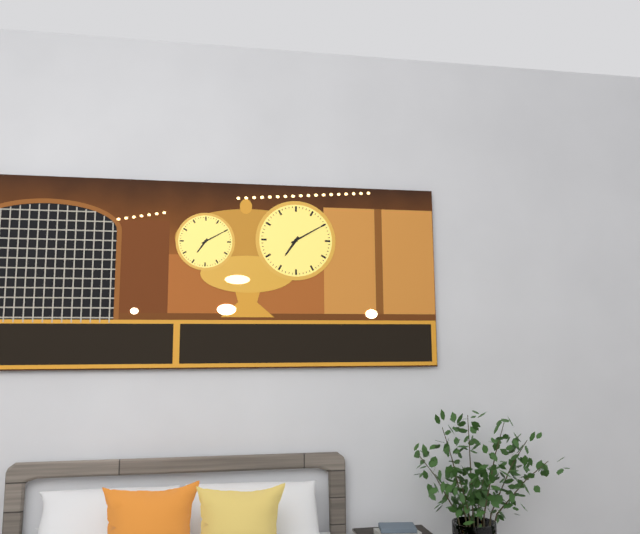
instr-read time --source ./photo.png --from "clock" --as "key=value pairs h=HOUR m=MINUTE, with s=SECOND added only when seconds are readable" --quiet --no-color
h=7 m=10
